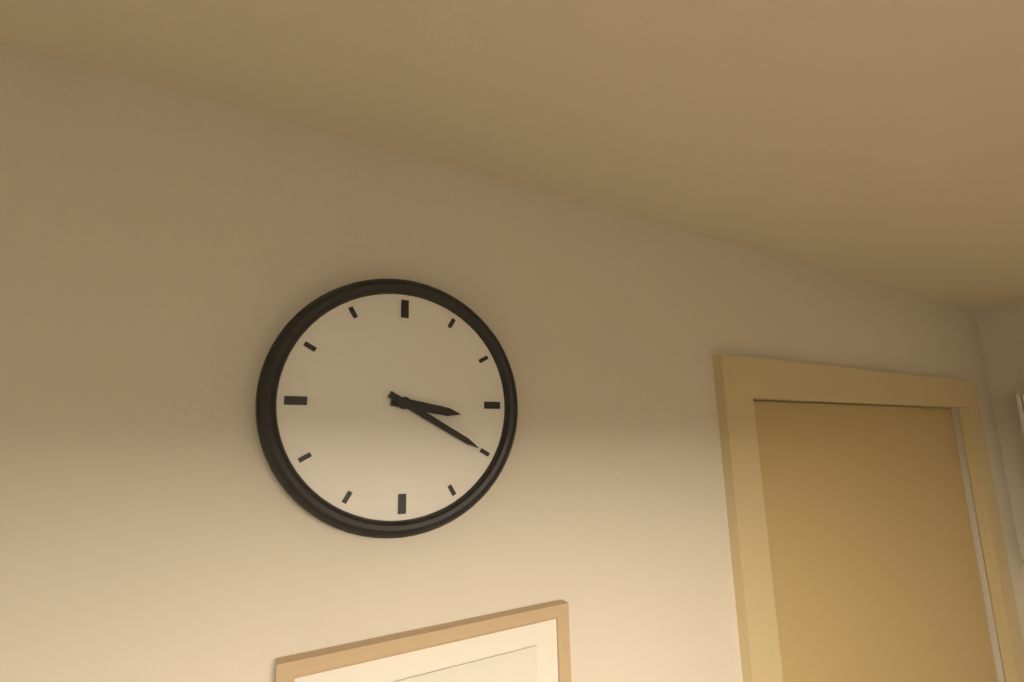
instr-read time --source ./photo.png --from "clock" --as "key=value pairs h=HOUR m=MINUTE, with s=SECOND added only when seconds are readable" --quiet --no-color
h=3 m=20
